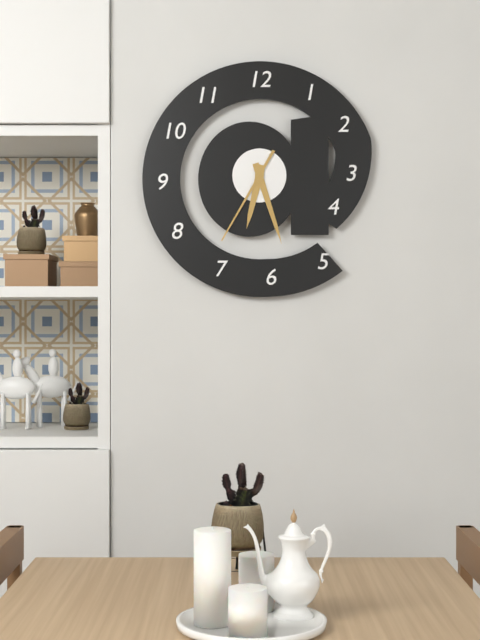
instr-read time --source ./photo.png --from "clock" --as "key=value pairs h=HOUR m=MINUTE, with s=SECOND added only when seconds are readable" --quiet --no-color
h=6 m=27 s=35
